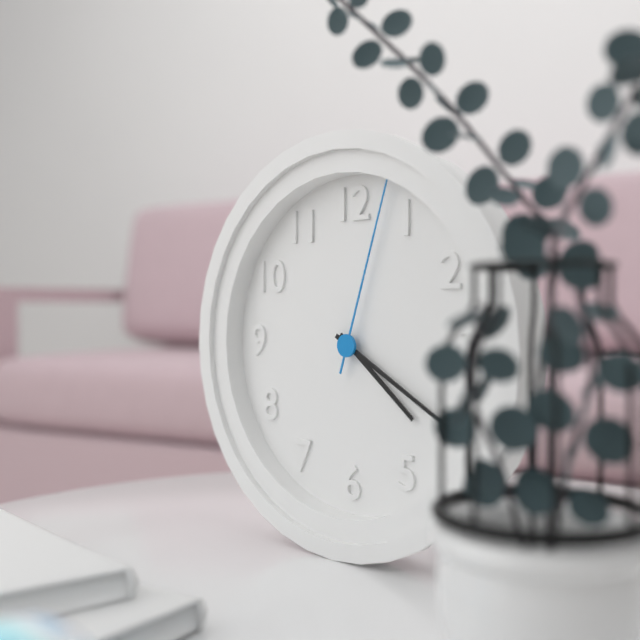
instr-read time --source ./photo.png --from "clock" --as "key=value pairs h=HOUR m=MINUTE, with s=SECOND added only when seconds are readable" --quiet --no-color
h=4 m=20 s=3
